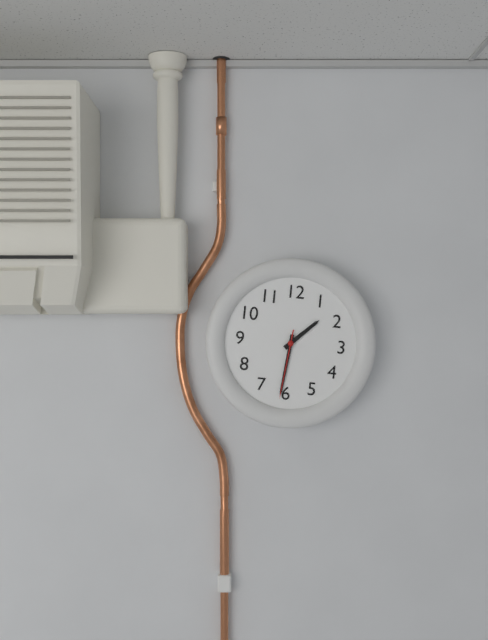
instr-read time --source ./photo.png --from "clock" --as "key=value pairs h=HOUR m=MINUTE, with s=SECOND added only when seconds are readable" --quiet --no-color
h=1 m=31 s=31
